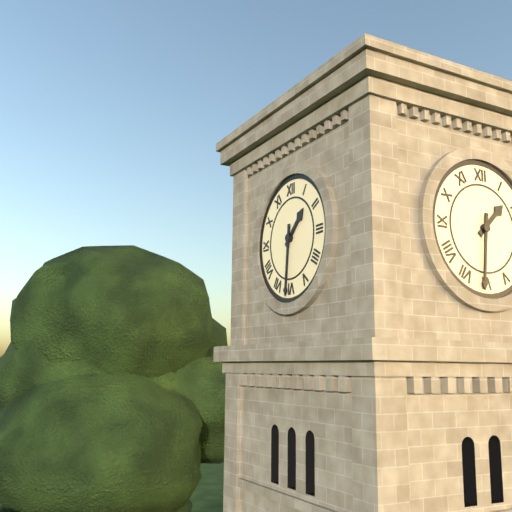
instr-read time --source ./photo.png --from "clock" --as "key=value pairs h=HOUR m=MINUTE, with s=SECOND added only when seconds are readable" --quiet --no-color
h=1 m=31
